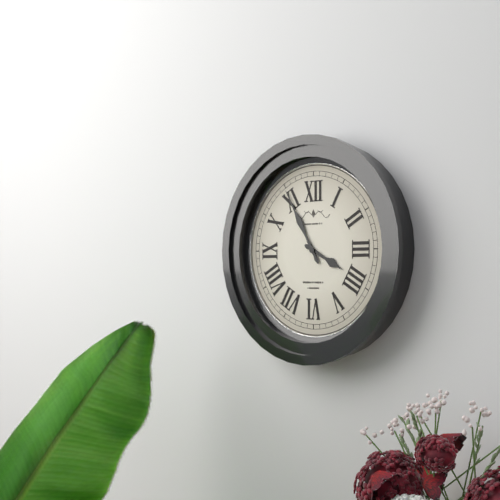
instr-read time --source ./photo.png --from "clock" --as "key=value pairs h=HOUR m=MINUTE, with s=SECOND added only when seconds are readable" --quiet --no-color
h=3 m=55
